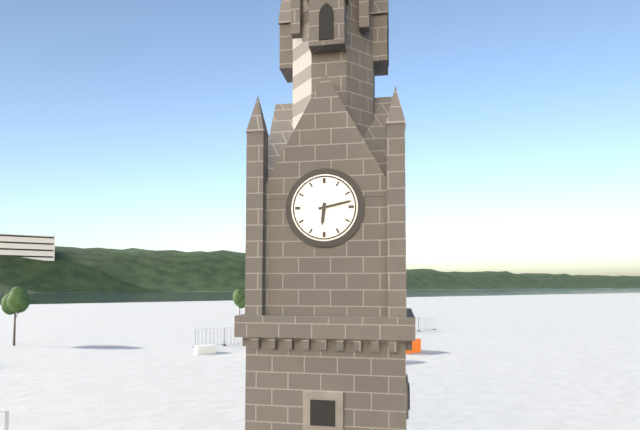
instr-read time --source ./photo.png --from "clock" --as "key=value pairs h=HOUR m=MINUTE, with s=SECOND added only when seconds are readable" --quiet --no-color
h=6 m=13
